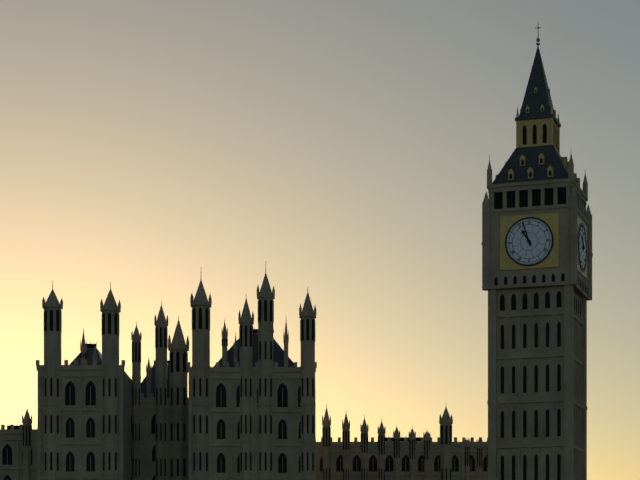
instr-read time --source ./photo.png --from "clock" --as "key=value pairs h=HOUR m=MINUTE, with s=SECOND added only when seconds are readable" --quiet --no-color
h=10 m=57
